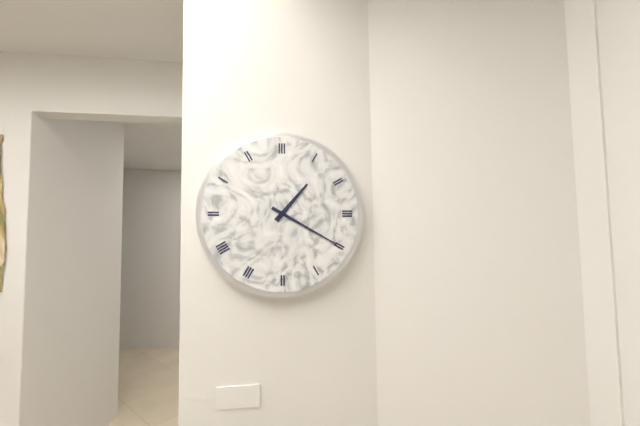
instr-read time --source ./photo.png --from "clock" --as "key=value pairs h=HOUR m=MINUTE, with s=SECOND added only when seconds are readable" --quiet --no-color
h=1 m=20
